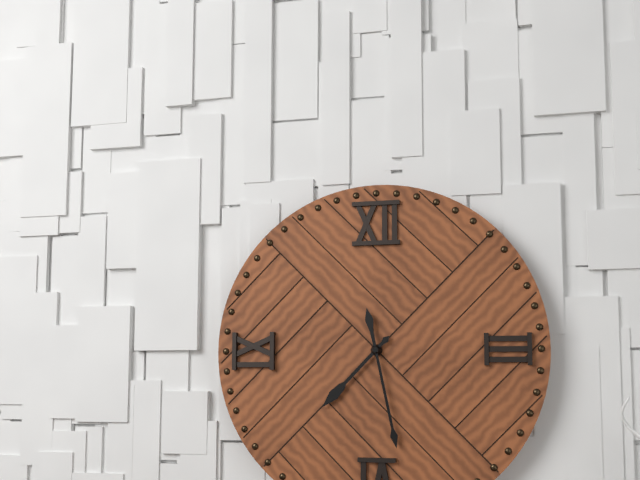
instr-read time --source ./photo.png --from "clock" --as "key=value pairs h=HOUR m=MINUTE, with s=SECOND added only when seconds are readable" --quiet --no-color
h=7 m=28
